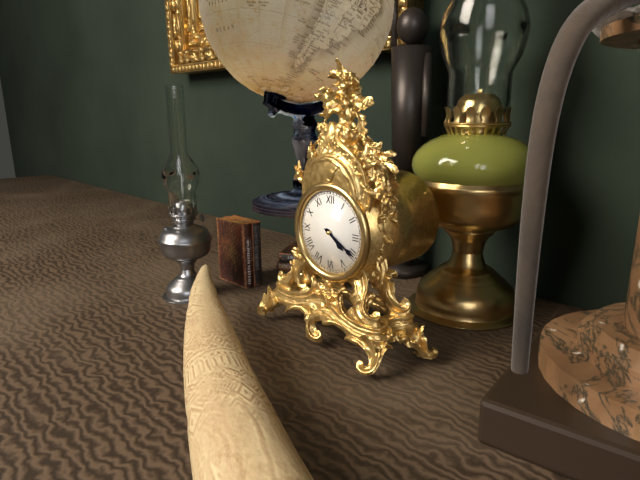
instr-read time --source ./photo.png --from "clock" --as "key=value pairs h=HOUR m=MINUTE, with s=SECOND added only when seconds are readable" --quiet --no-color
h=4 m=20
